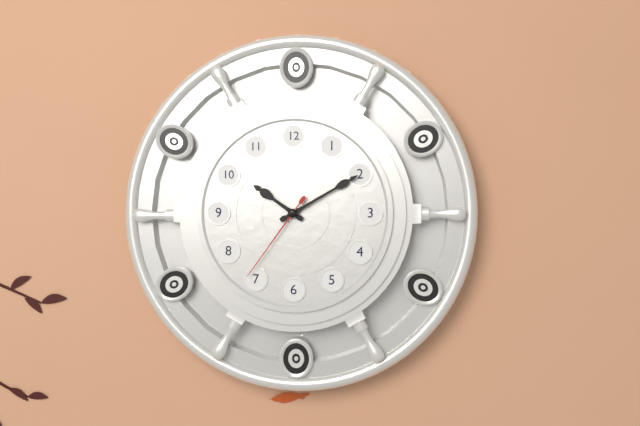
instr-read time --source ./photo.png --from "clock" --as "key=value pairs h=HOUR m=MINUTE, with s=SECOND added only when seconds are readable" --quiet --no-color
h=10 m=10 s=36
